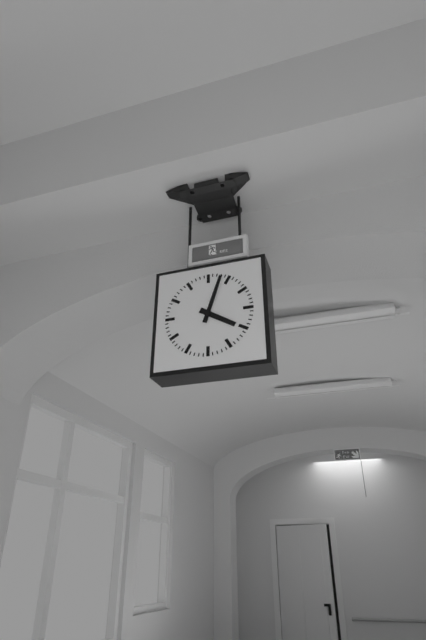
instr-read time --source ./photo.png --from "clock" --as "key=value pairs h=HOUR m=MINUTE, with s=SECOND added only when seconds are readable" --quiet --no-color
h=4 m=3
